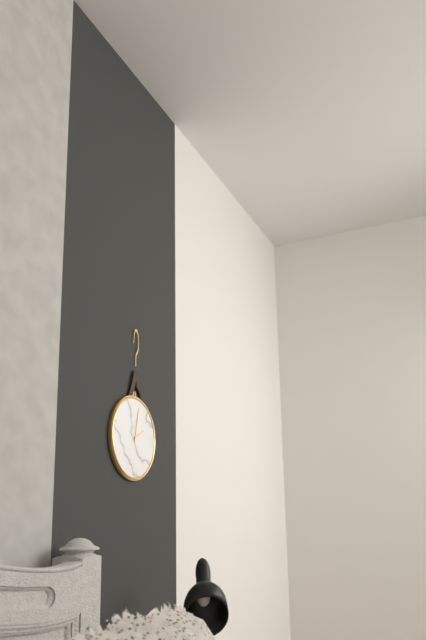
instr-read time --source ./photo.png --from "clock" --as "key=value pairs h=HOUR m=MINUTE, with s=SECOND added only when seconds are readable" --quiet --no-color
h=2 m=2
